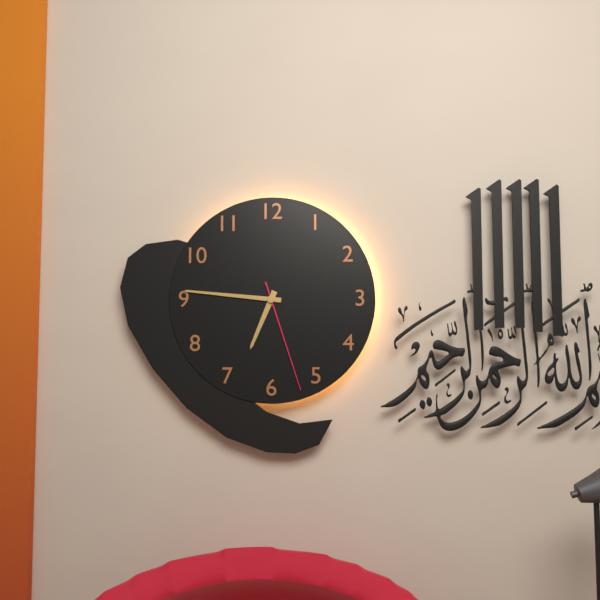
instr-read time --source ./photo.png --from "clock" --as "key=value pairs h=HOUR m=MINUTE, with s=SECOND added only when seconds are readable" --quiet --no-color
h=6 m=46 s=27
